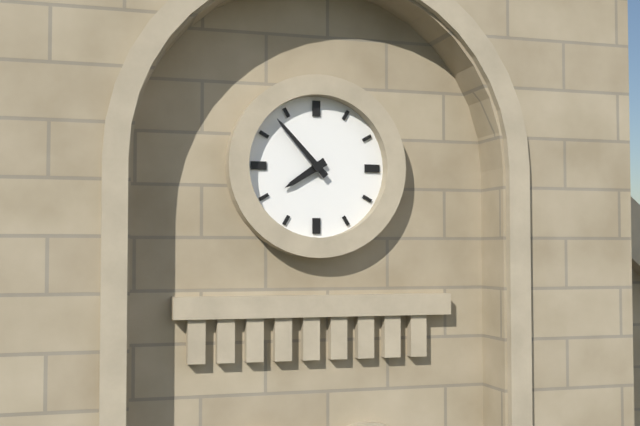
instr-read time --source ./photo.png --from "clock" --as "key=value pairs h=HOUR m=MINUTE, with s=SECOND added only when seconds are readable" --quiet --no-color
h=7 m=53
